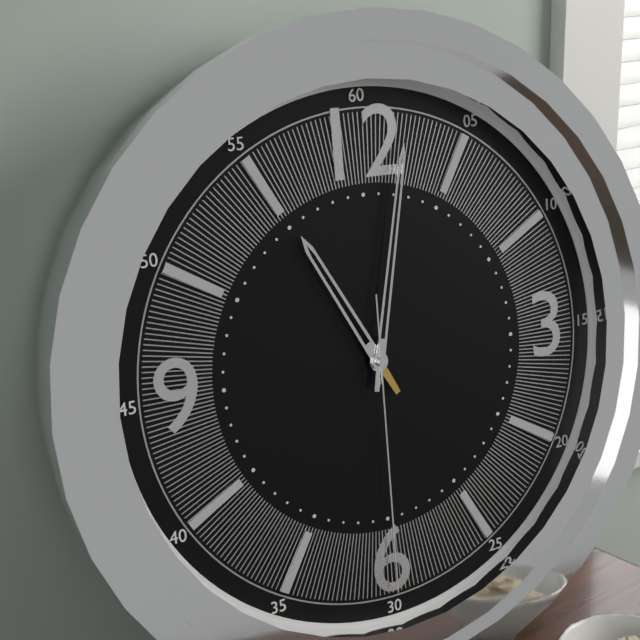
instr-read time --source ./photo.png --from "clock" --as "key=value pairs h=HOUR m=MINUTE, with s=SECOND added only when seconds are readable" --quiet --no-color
h=11 m=2 s=30
